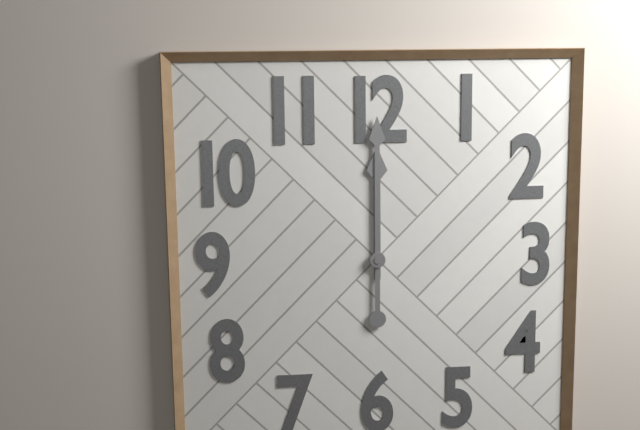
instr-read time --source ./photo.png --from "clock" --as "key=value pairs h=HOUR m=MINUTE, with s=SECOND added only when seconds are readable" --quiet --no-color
h=12 m=0
